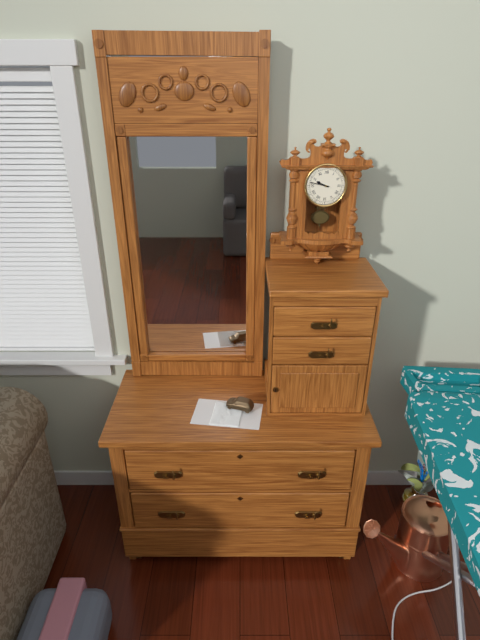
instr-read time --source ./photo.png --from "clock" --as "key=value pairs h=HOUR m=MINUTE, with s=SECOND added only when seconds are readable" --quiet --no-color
h=9 m=47
